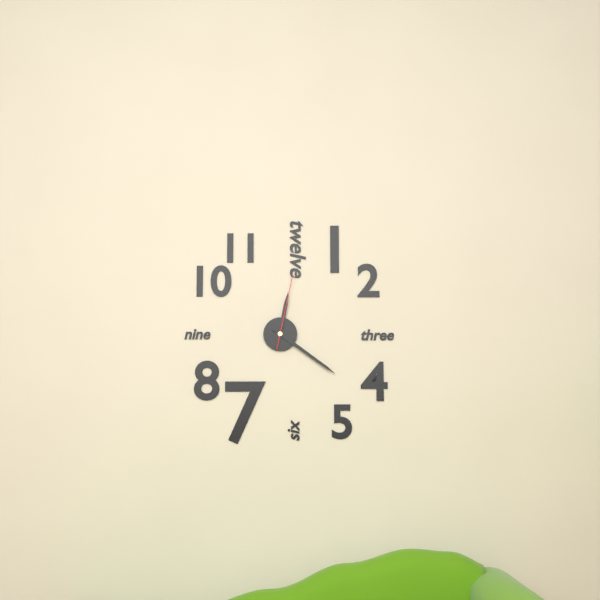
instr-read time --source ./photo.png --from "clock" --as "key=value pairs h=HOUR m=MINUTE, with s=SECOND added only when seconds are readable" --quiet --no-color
h=12 m=21 s=2
